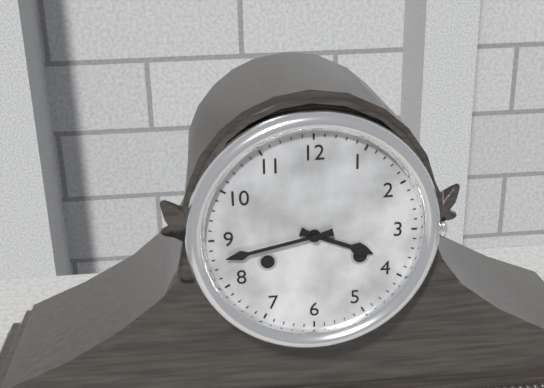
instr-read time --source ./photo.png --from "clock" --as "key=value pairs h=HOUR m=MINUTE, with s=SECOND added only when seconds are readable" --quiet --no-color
h=3 m=43
